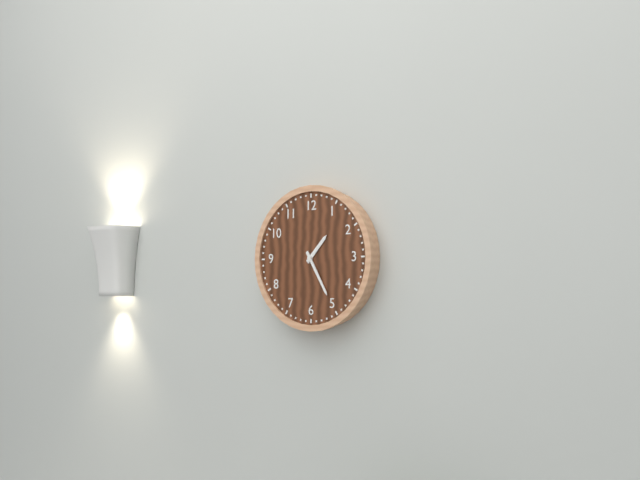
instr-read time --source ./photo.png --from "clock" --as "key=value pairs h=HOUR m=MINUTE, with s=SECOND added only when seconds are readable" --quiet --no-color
h=1 m=25
